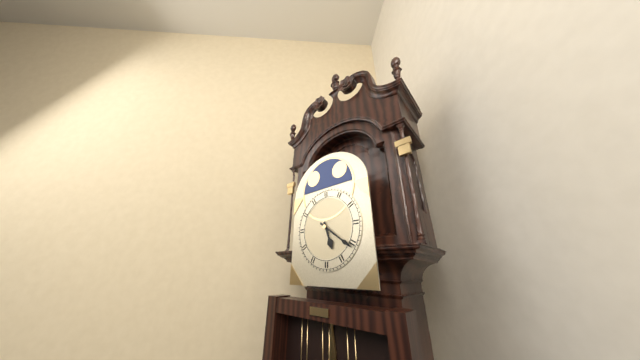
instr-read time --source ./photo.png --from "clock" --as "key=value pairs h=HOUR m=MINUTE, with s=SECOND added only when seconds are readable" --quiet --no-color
h=5 m=21
